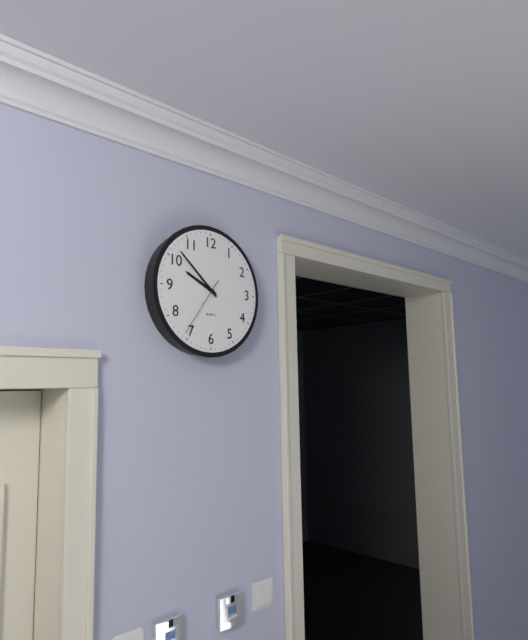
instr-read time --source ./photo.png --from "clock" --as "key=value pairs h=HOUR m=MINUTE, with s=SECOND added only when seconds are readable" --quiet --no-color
h=9 m=52 s=36
